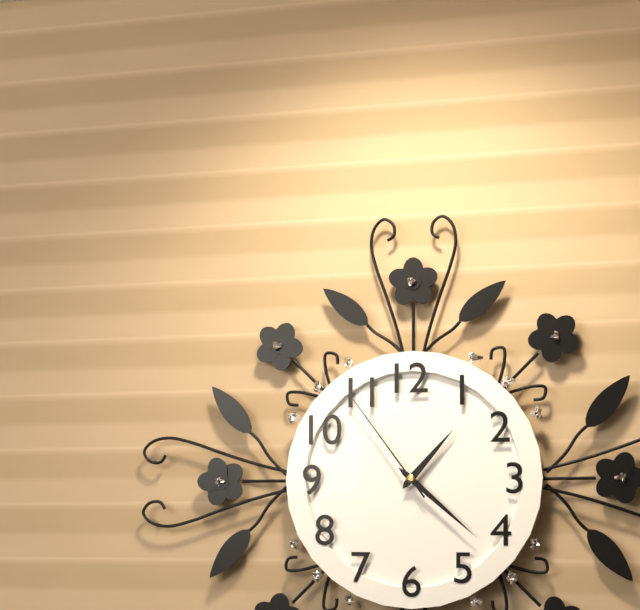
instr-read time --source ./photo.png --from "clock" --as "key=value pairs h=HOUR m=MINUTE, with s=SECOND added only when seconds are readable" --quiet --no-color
h=1 m=22 s=54
